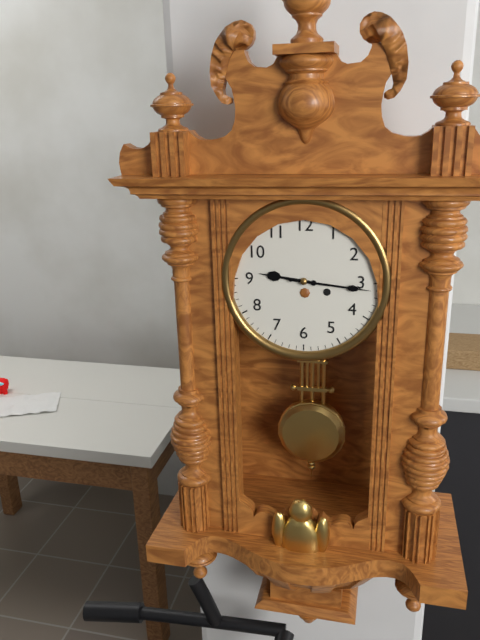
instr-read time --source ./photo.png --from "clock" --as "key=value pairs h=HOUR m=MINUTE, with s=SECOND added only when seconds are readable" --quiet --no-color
h=9 m=16
